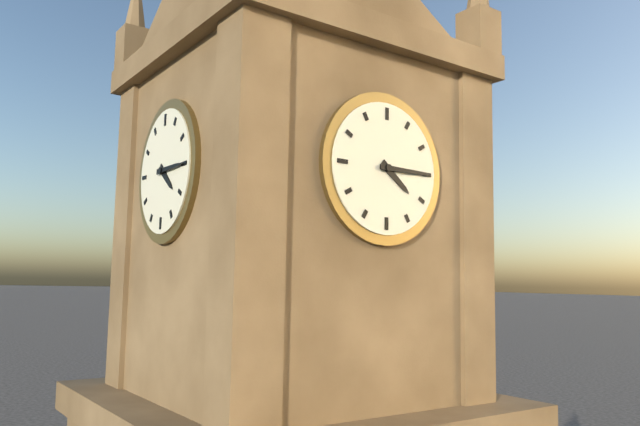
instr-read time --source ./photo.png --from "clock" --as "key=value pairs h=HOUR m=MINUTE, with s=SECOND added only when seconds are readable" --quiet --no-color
h=4 m=15
